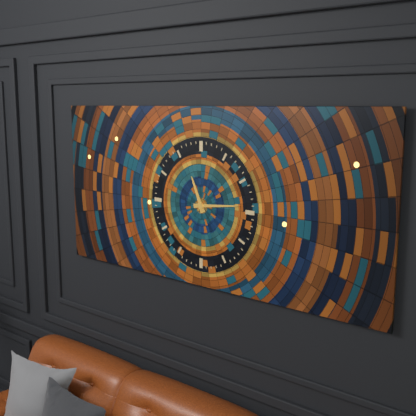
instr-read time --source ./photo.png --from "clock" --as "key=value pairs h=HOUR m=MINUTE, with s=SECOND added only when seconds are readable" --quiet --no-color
h=11 m=14
